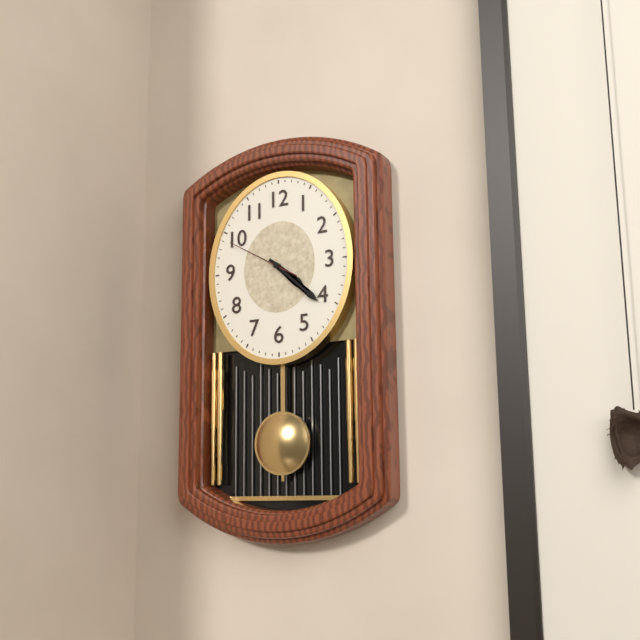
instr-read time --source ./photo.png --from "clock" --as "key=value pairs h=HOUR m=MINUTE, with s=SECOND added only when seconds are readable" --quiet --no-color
h=4 m=22 s=50
